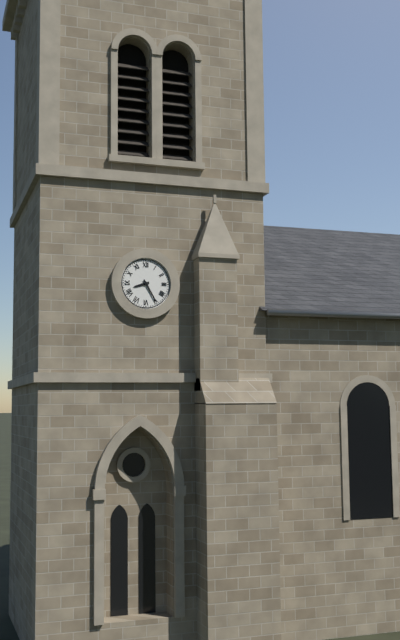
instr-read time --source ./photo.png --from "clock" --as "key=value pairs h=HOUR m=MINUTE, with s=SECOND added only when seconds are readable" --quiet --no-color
h=8 m=25
